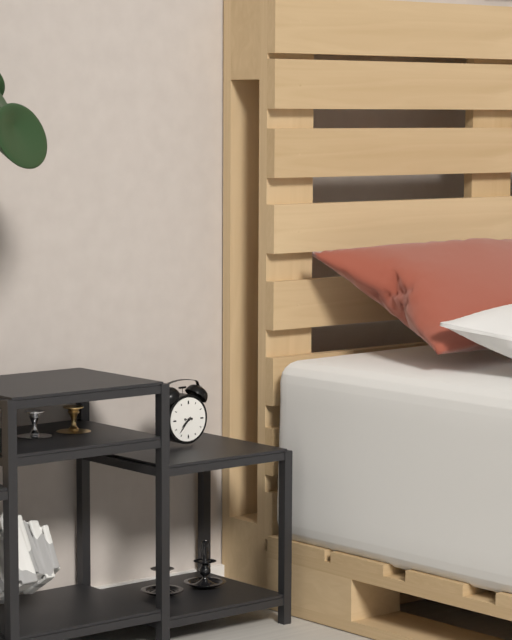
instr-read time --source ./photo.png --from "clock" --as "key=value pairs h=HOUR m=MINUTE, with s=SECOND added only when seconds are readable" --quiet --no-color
h=7 m=37
